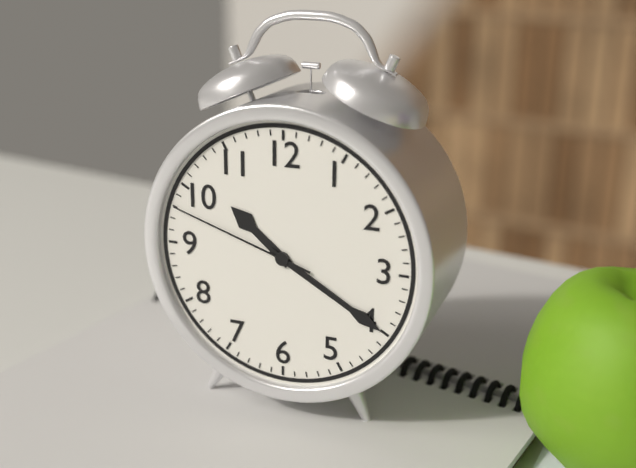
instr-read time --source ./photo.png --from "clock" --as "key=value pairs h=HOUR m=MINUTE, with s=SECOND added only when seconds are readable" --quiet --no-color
h=10 m=20 s=48
